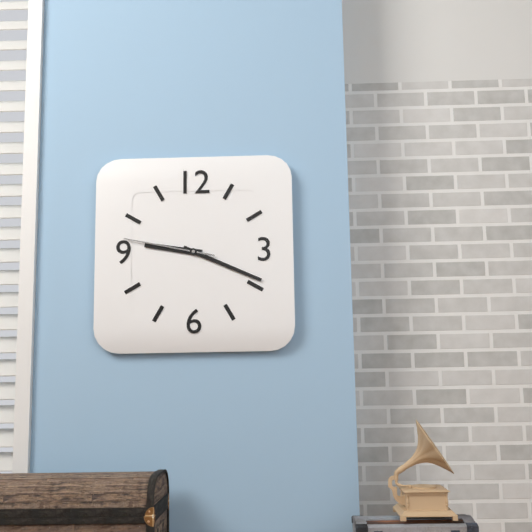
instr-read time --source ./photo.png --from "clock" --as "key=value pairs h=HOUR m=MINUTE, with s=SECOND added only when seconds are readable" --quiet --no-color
h=9 m=19 s=47
